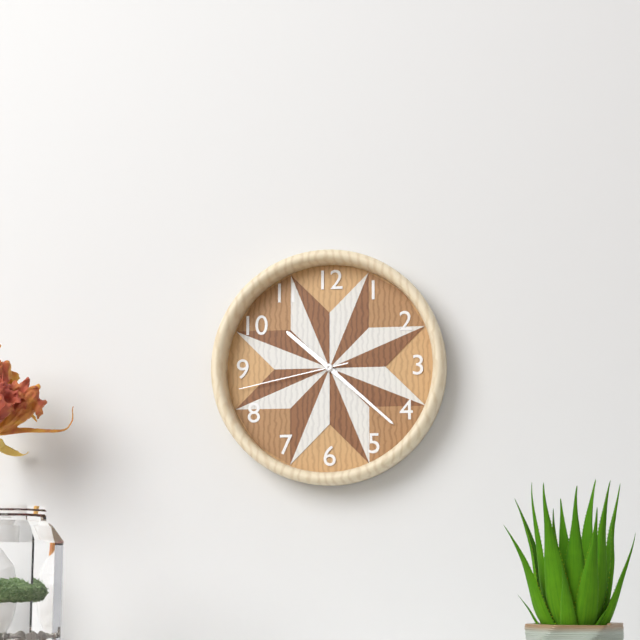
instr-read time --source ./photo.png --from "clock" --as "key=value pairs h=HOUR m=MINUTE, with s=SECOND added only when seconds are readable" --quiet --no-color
h=10 m=22 s=43
